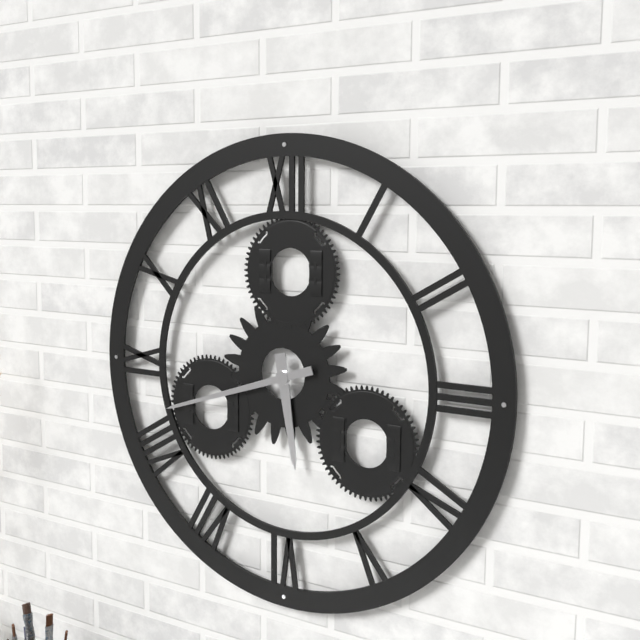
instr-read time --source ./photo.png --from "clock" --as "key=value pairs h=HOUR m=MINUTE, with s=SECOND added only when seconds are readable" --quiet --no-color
h=5 m=42
